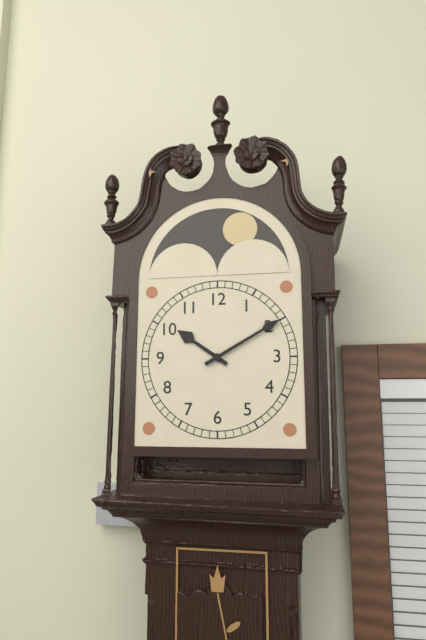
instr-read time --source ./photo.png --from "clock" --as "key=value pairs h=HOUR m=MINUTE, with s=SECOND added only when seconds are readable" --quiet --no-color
h=10 m=10
